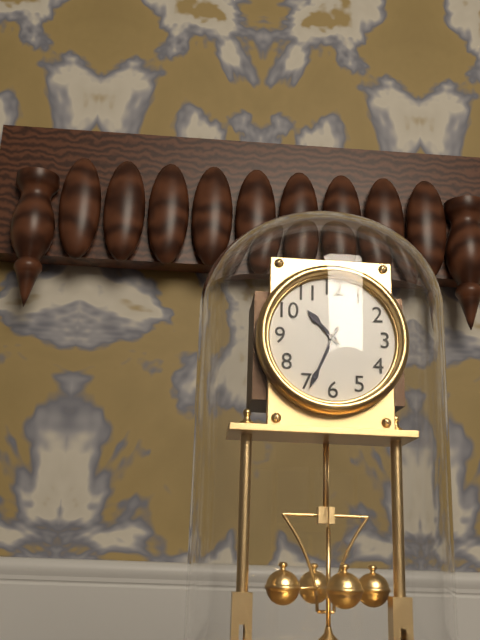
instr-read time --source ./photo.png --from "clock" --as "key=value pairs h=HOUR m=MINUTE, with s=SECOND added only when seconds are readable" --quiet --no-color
h=10 m=34
